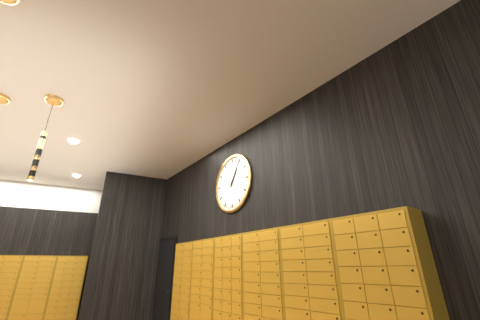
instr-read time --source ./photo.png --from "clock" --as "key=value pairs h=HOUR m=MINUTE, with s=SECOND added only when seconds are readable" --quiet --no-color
h=1 m=5
